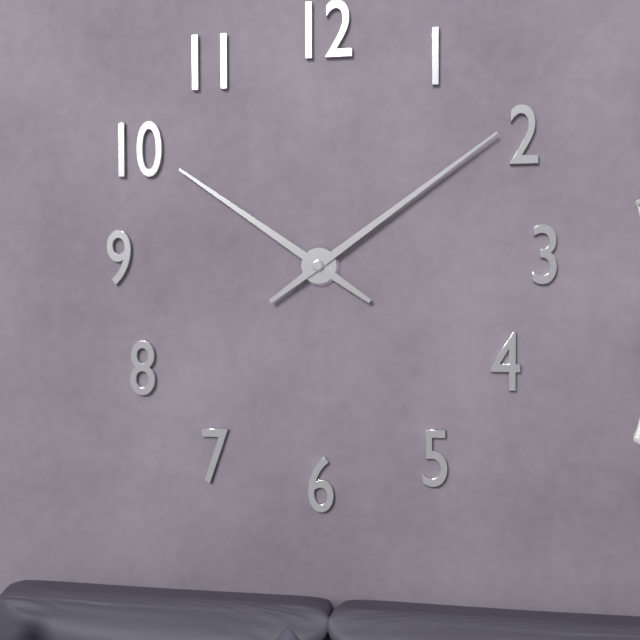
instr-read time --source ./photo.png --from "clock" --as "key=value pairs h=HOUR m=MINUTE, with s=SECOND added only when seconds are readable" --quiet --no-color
h=10 m=9
